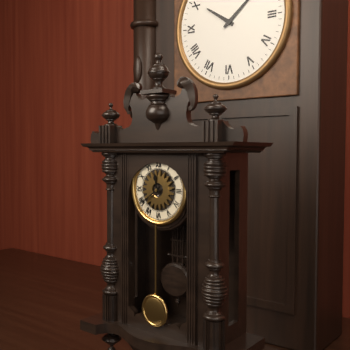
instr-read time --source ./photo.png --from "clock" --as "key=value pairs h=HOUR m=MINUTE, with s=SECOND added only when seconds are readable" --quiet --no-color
h=11 m=39
